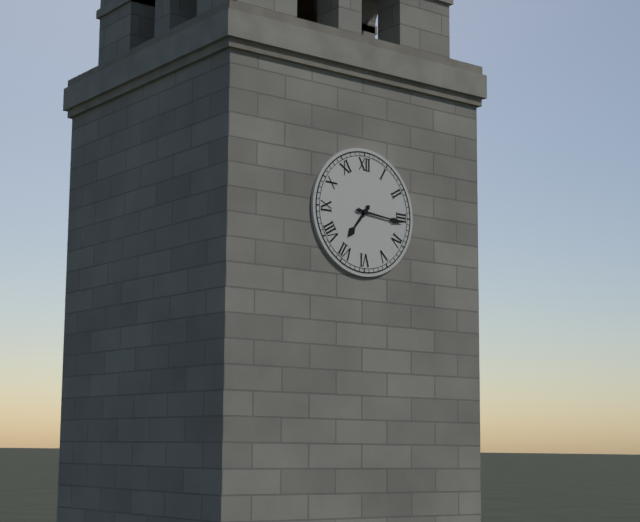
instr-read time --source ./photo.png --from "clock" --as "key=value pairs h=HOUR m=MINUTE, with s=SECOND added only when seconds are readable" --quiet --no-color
h=7 m=16
